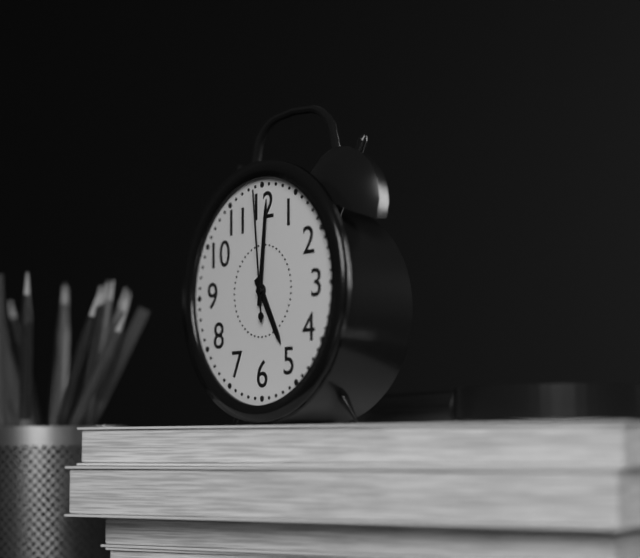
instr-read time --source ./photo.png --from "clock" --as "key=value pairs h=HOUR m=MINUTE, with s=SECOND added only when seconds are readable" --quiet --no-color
h=5 m=1 s=59
